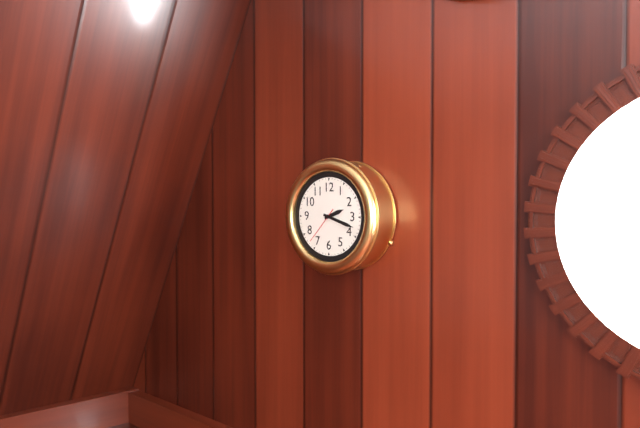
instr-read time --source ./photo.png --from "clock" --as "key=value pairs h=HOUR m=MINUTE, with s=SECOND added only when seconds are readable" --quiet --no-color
h=2 m=18
